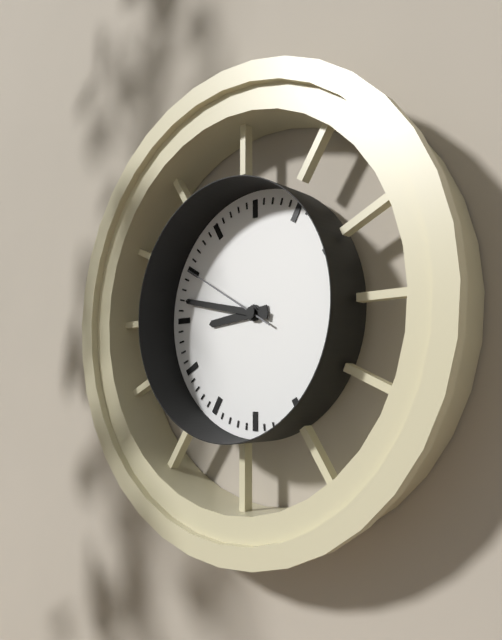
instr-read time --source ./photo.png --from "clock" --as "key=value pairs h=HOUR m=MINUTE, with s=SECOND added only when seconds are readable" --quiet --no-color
h=8 m=47 s=50
